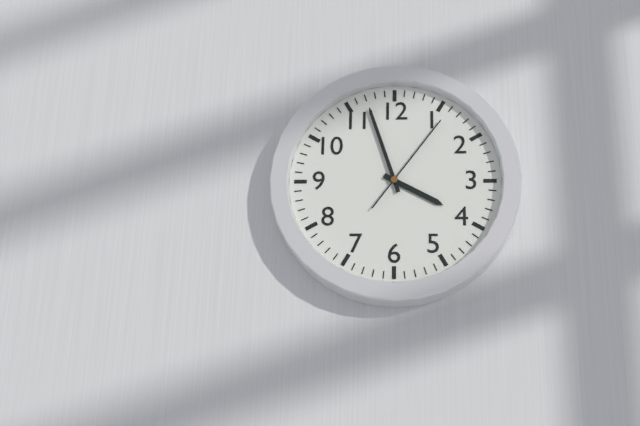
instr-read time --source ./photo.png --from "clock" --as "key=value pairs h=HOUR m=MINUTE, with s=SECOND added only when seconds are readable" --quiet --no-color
h=3 m=57 s=6
